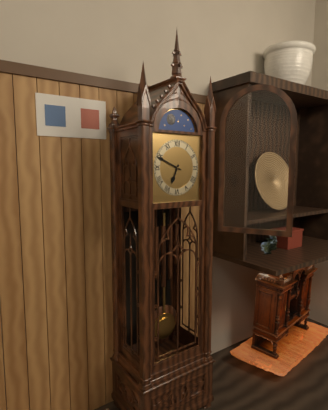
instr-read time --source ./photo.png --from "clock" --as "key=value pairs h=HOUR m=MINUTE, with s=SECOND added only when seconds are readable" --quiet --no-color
h=6 m=49
